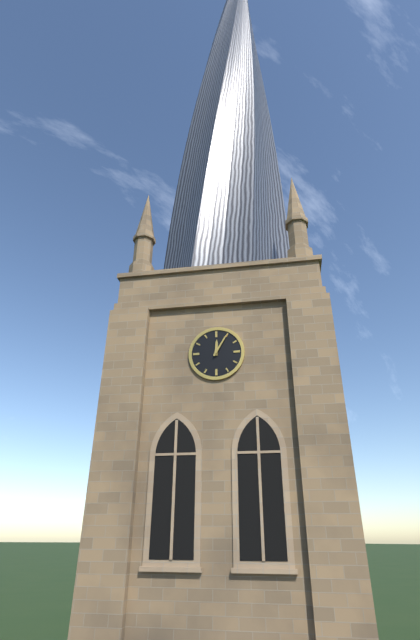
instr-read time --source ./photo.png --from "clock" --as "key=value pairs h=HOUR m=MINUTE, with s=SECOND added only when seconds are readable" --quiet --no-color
h=12 m=5
